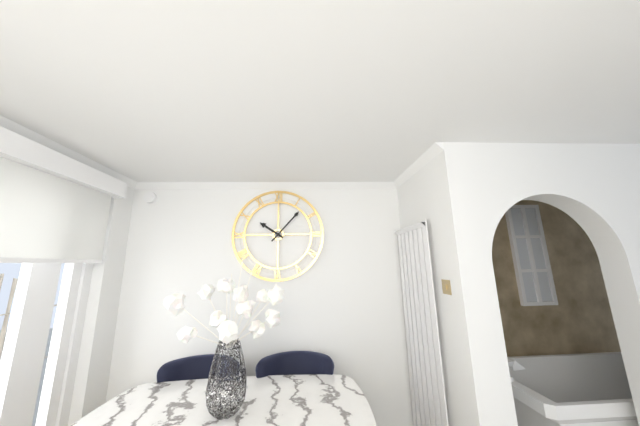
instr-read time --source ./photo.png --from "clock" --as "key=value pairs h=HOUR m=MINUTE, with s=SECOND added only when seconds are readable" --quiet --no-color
h=10 m=7
